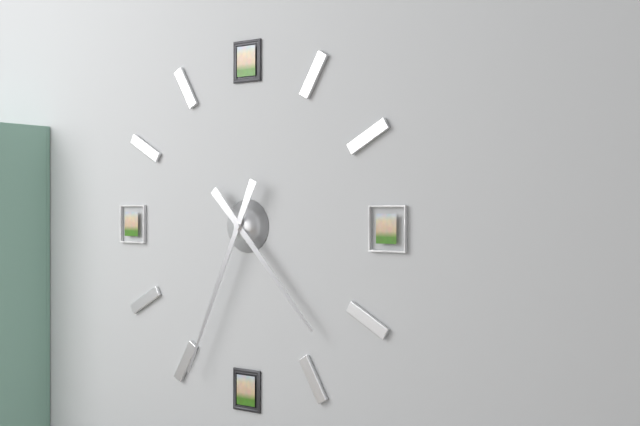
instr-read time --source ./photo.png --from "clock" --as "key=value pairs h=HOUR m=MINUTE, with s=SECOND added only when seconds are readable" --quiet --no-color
h=4 m=34
